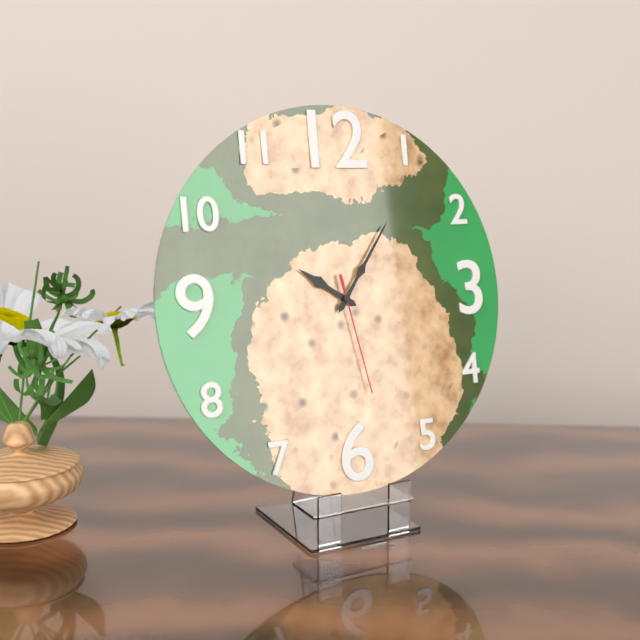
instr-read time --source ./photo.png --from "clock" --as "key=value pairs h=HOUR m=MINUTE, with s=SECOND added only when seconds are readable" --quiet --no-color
h=10 m=6 s=28
